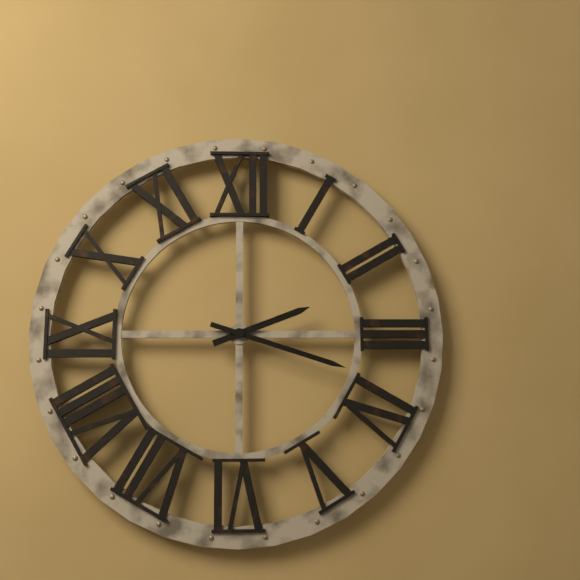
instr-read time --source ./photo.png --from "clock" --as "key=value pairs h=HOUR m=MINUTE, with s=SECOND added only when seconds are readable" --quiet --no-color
h=2 m=18
